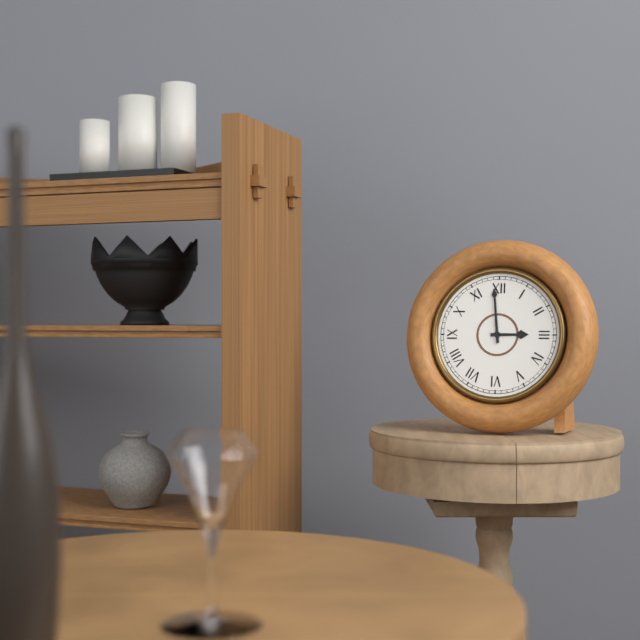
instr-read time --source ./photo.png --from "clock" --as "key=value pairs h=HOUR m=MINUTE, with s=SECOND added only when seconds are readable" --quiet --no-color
h=2 m=59
